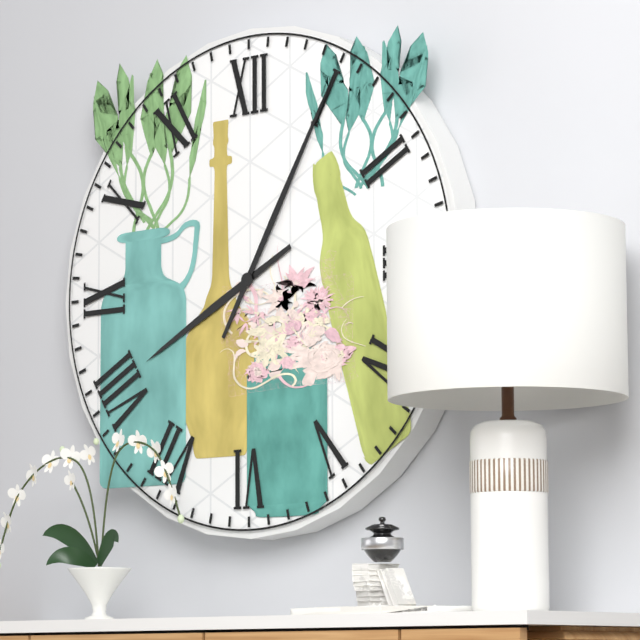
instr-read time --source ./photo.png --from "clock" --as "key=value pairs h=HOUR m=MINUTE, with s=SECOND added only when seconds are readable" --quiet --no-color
h=8 m=5
